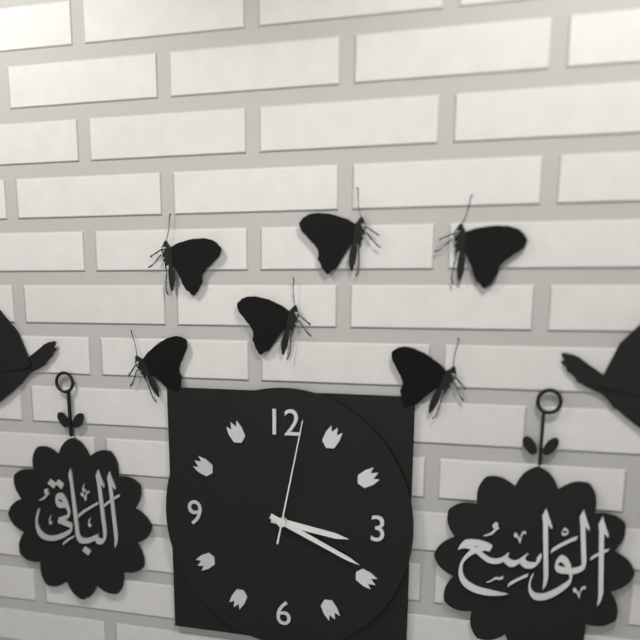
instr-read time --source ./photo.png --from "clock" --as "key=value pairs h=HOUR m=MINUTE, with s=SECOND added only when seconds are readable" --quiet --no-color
h=3 m=19 s=2
